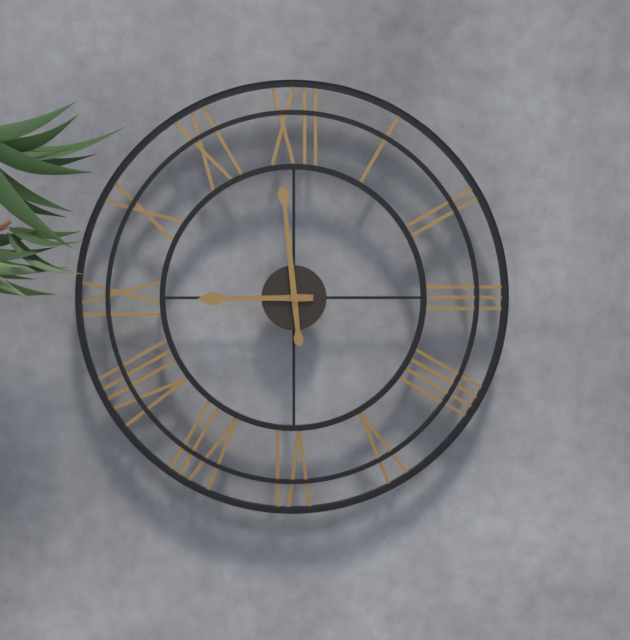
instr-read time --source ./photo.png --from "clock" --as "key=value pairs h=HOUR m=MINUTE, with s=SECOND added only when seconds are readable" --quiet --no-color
h=8 m=59
